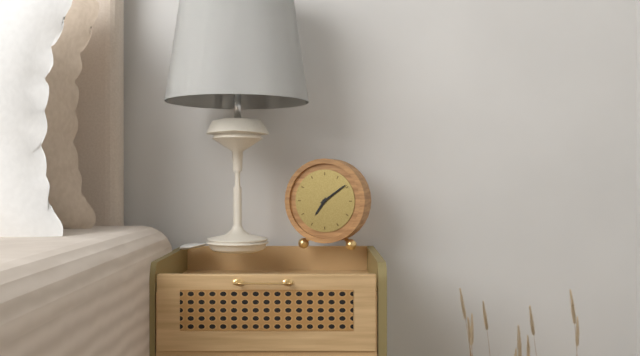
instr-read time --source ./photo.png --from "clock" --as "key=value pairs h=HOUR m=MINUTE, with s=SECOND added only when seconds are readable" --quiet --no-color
h=7 m=9
